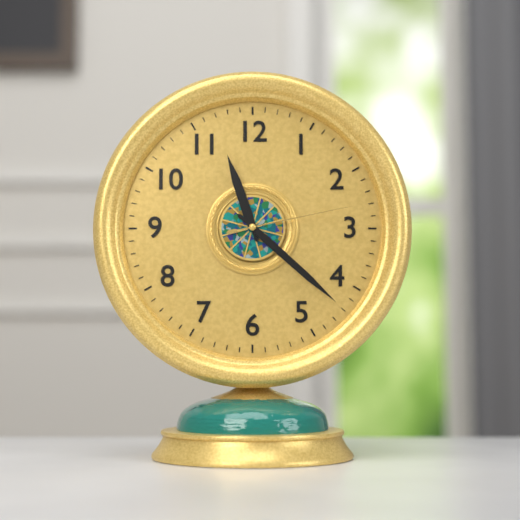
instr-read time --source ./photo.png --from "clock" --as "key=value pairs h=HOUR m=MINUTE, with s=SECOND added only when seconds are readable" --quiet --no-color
h=11 m=22 s=13
